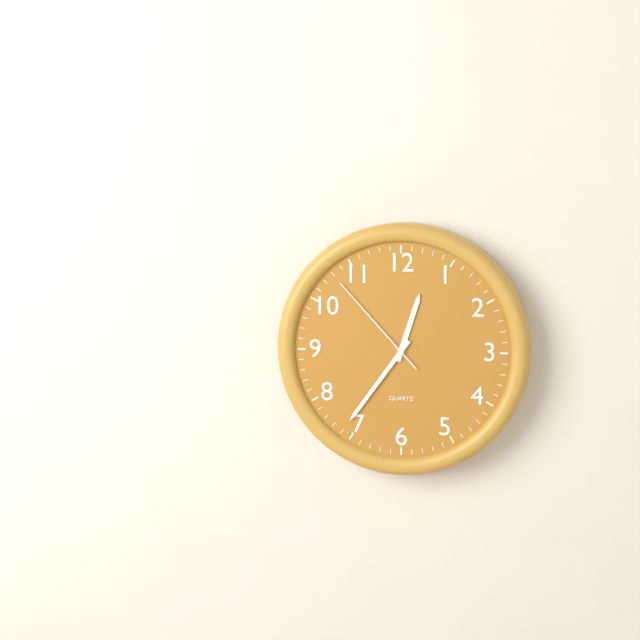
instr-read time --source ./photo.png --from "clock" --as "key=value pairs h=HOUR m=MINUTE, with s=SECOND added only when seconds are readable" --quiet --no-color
h=12 m=36 s=53
